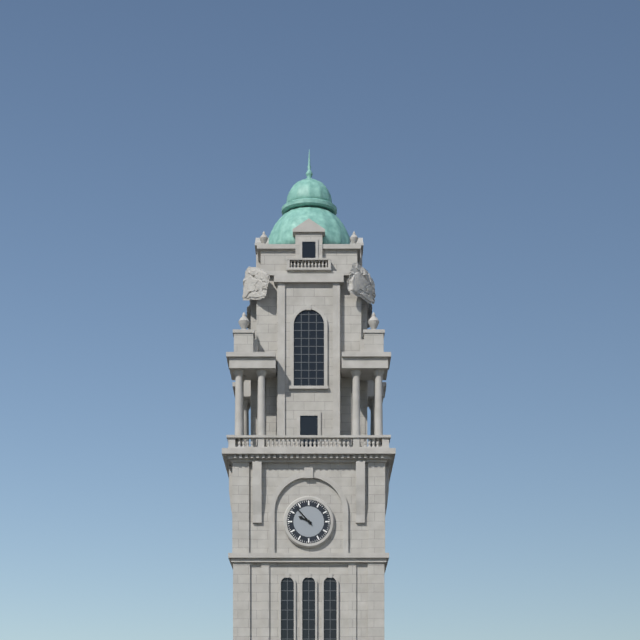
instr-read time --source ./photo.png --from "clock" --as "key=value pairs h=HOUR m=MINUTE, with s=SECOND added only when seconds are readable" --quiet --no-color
h=9 m=53
